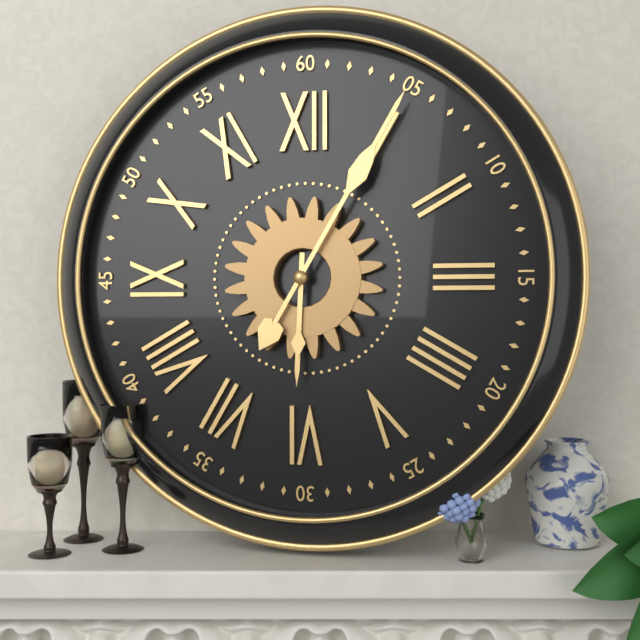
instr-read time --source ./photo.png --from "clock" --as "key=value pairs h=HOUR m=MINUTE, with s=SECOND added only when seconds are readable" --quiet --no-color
h=6 m=5
